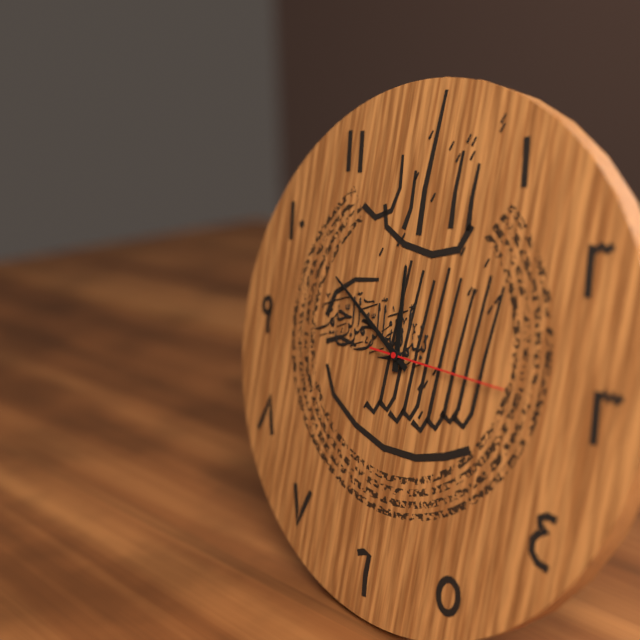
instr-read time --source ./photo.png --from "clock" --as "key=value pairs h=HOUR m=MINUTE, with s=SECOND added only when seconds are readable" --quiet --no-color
h=11 m=50 s=15
